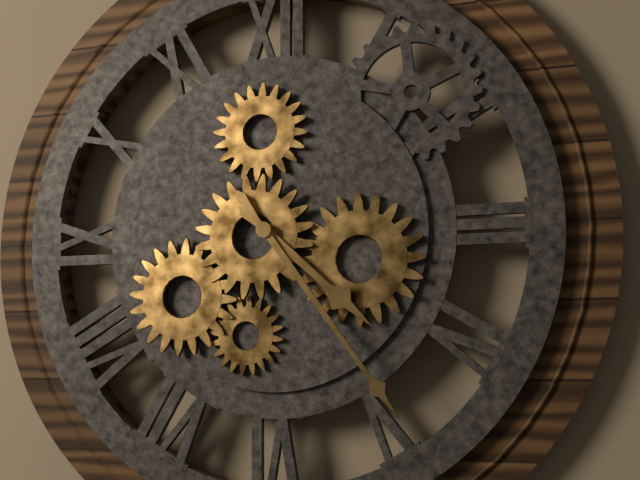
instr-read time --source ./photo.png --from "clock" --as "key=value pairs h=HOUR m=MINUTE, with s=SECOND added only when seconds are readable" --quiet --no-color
h=4 m=24
